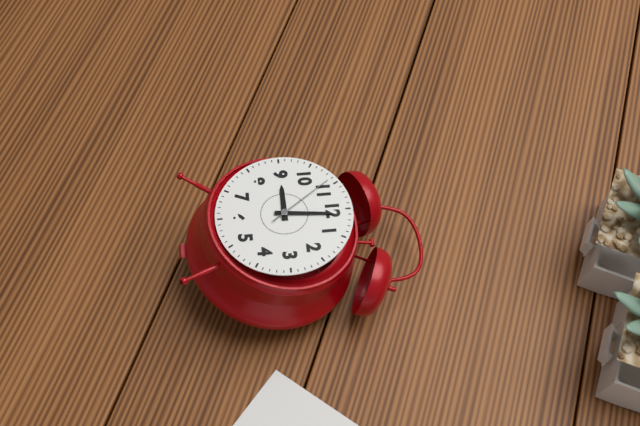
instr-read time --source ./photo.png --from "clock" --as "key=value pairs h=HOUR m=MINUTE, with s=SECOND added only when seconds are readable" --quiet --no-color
h=9 m=1 s=54
